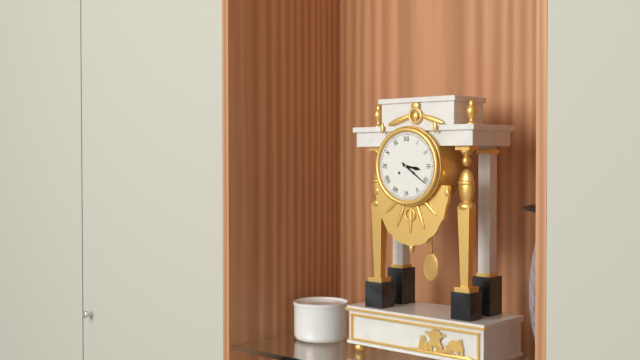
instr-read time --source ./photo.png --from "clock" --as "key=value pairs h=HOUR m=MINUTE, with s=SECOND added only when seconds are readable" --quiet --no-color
h=3 m=21
